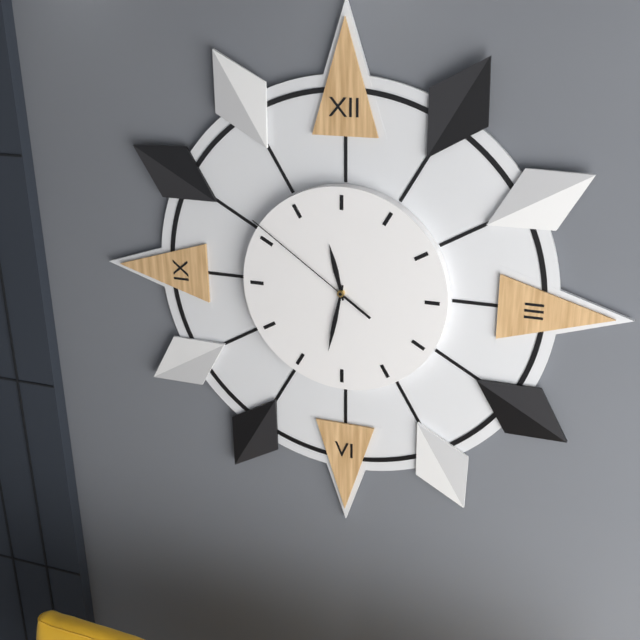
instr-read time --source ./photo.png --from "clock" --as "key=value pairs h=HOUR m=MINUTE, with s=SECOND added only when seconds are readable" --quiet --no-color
h=11 m=32 s=51
